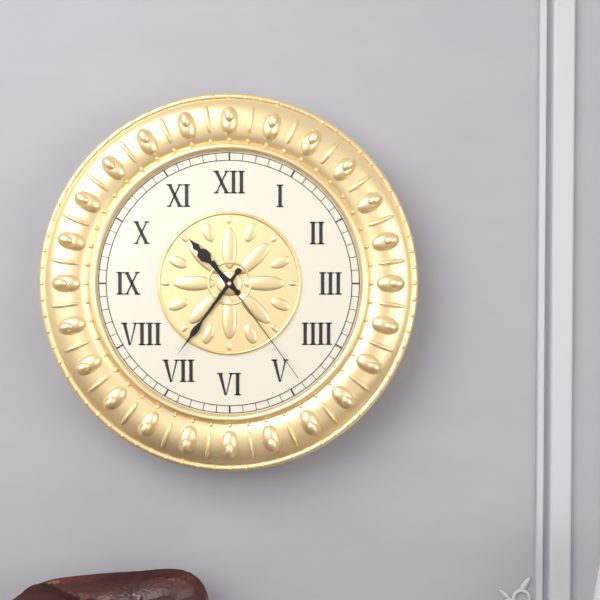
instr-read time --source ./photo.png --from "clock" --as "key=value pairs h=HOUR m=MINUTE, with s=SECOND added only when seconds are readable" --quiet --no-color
h=10 m=36 s=24
